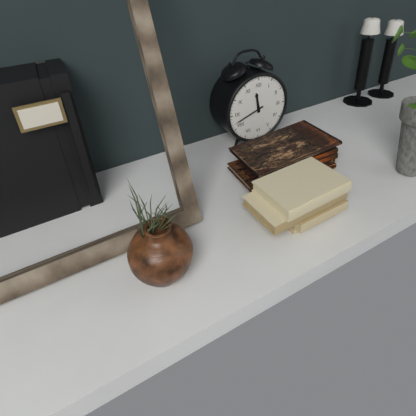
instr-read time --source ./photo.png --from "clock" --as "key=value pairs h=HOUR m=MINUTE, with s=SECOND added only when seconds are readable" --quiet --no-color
h=11 m=42
